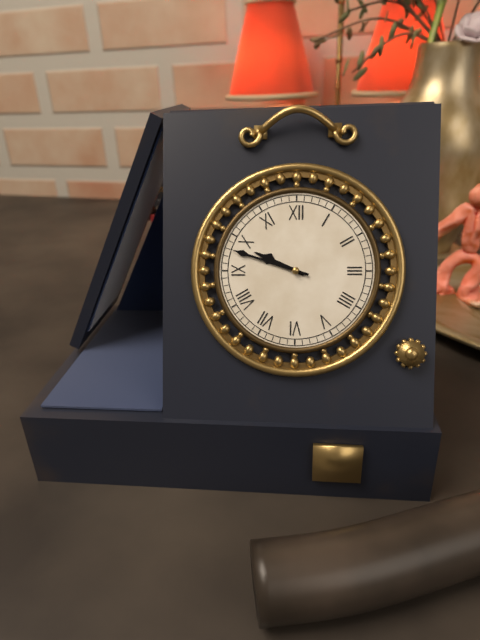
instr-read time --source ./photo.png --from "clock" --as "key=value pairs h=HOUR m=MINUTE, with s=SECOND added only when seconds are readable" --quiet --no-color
h=9 m=48
